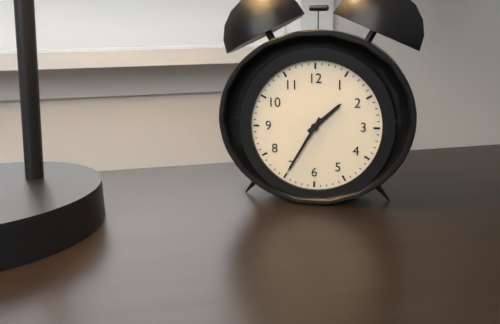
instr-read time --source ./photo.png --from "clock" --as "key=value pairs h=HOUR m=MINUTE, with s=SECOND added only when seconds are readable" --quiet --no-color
h=1 m=35
